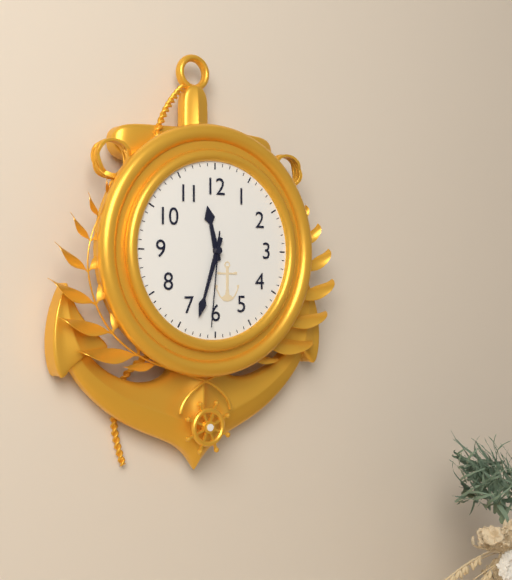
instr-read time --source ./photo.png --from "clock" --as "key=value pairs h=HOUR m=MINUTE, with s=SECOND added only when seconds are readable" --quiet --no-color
h=11 m=33 s=31
